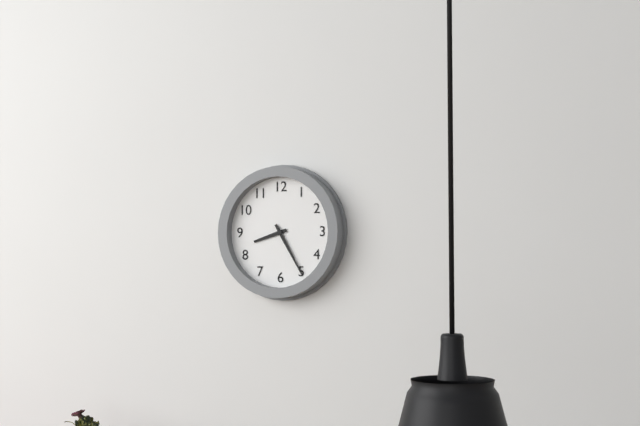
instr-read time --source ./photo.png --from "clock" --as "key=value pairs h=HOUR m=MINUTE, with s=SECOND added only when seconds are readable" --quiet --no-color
h=8 m=25
